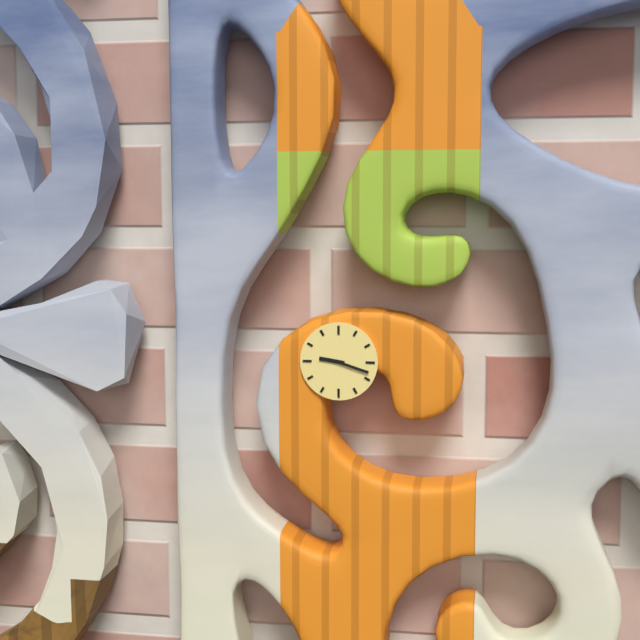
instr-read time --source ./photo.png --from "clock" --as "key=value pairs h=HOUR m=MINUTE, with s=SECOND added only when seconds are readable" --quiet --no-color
h=9 m=18
